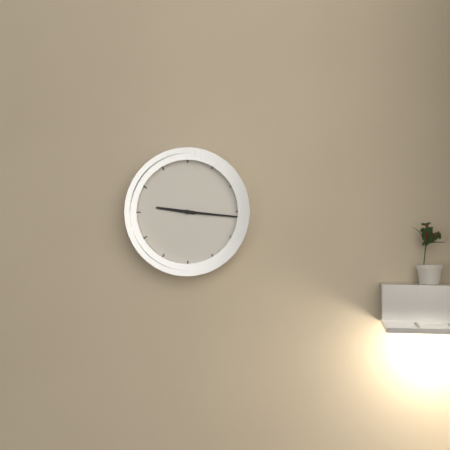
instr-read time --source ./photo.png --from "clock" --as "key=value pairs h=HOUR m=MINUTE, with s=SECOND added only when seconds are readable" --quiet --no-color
h=9 m=16
